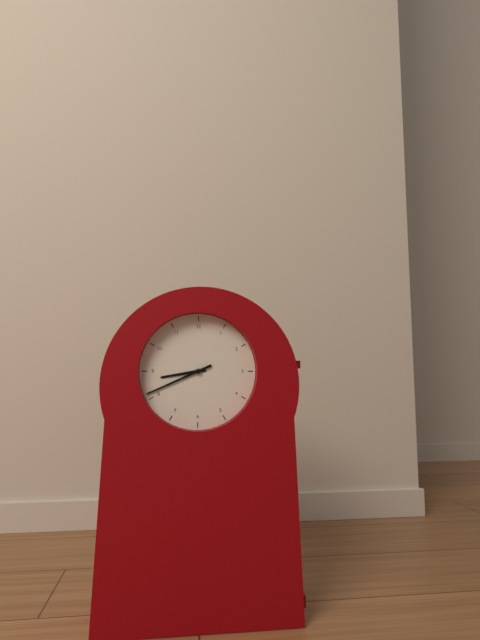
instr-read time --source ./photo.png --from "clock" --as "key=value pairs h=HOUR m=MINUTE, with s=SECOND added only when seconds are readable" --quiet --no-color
h=8 m=41
